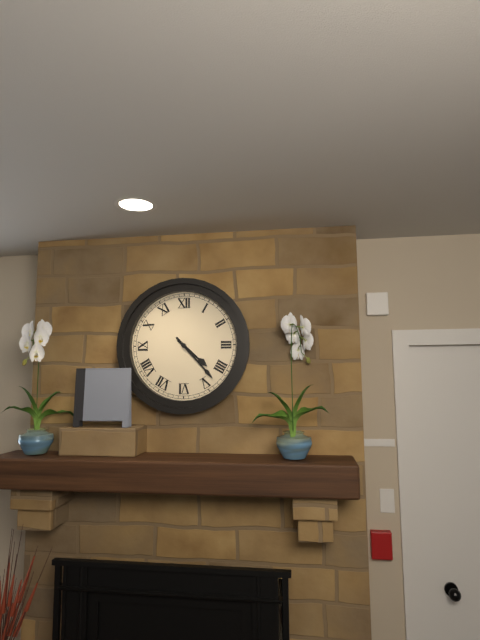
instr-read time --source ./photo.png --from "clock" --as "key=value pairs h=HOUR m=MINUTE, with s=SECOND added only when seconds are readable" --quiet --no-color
h=4 m=23
